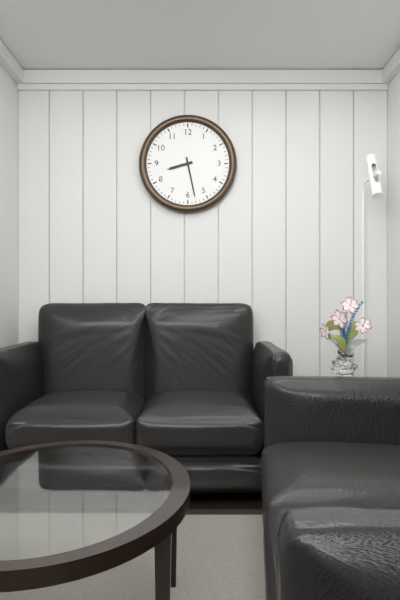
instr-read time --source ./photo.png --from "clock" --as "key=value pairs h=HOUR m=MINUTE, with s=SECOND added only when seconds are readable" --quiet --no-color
h=8 m=28
